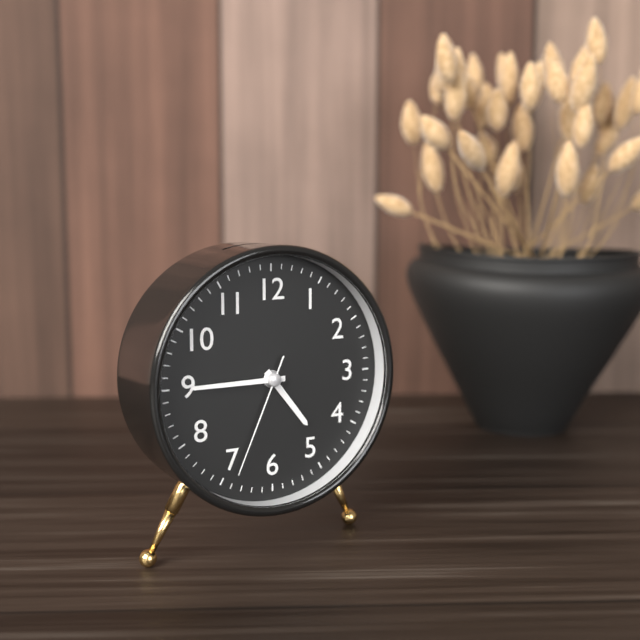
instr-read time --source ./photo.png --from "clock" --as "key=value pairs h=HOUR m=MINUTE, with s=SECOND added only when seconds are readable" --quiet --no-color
h=4 m=45 s=34
